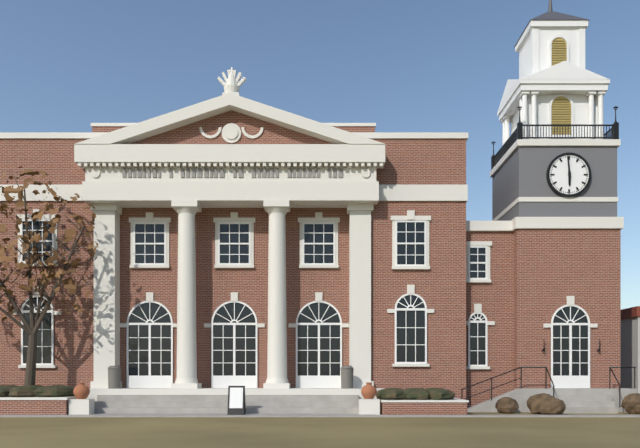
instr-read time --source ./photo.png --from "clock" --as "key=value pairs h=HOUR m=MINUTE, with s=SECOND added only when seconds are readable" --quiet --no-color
h=5 m=59
